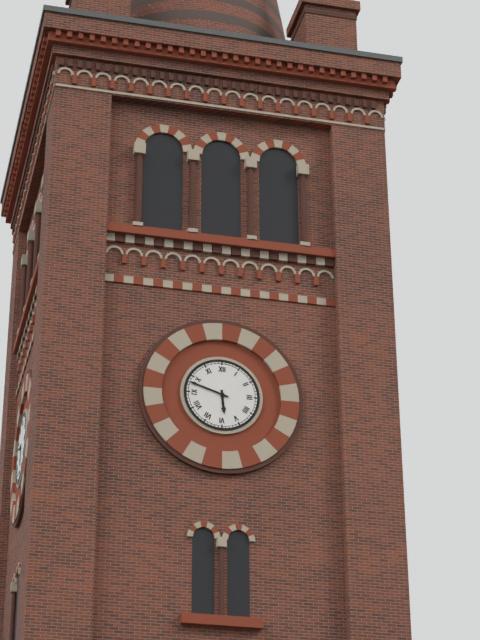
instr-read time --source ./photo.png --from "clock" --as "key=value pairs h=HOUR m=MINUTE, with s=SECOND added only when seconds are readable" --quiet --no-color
h=5 m=48
